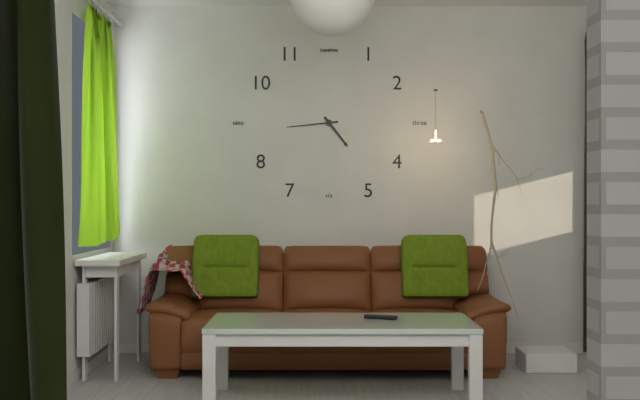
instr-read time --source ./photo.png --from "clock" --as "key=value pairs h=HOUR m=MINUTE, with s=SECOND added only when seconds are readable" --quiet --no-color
h=4 m=44
